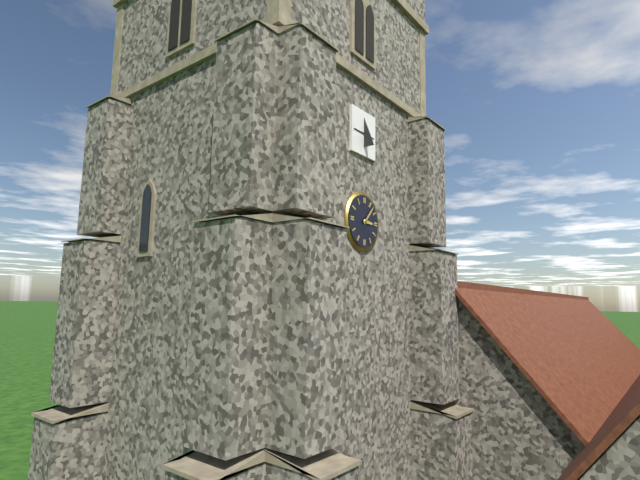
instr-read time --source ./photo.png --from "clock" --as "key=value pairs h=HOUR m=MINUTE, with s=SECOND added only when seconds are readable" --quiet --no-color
h=3 m=7
